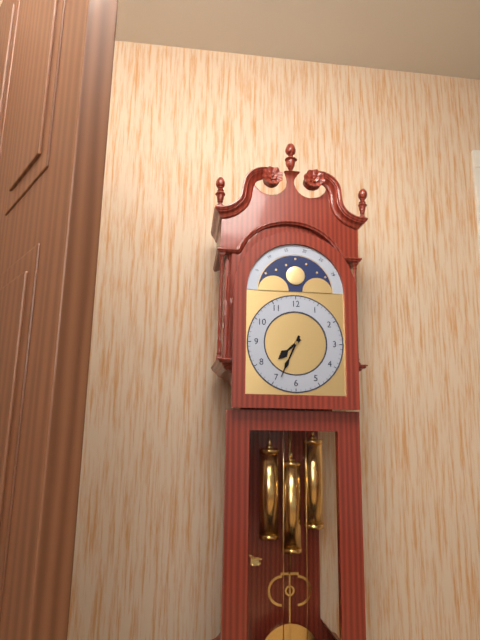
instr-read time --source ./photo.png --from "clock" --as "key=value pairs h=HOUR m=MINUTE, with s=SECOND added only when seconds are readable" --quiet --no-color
h=7 m=34
